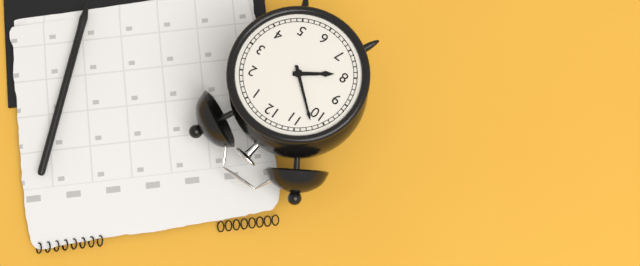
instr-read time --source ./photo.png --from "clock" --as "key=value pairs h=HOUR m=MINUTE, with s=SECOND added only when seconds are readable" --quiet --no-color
h=7 m=52
